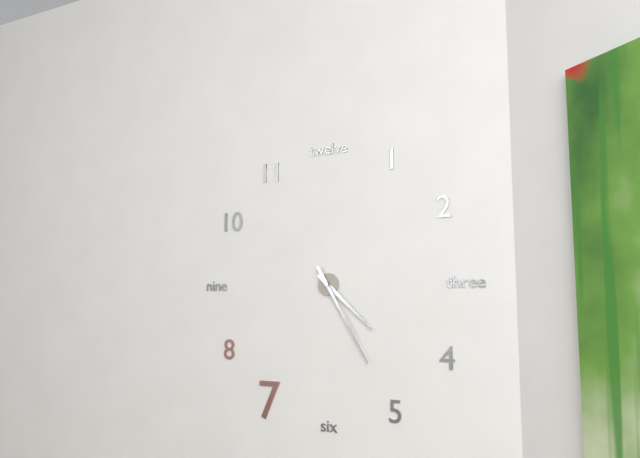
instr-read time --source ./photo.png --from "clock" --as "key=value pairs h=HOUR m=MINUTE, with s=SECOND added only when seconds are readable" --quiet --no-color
h=4 m=25
